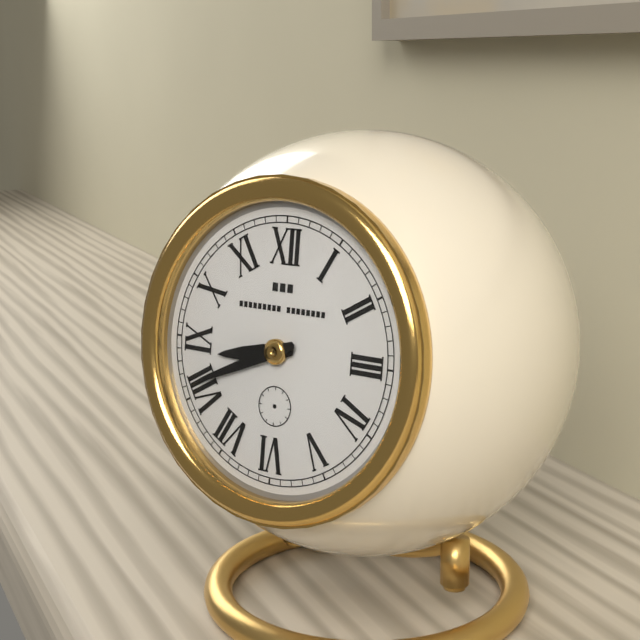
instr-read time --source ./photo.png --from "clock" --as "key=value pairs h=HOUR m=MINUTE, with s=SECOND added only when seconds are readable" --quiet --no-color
h=8 m=41
